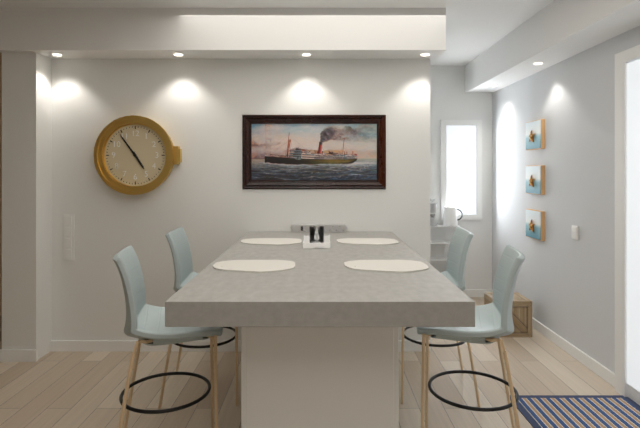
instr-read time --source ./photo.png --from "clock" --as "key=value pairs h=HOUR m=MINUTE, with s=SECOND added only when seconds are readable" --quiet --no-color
h=4 m=54
